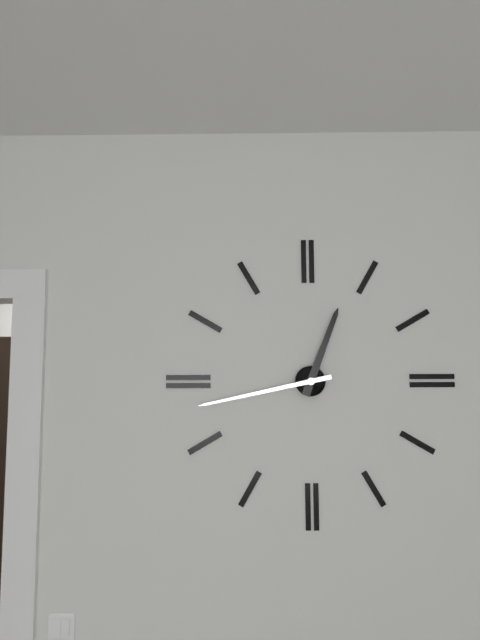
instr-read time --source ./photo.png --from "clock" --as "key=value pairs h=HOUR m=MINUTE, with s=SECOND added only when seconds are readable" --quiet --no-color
h=12 m=43
